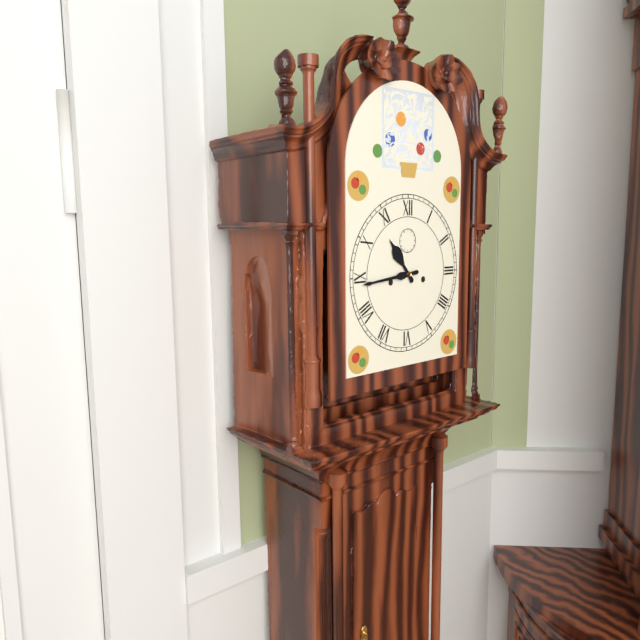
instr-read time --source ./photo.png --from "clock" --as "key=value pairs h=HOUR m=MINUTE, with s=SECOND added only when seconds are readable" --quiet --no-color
h=10 m=44
